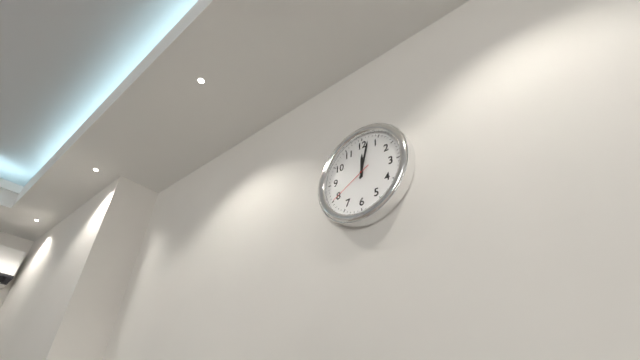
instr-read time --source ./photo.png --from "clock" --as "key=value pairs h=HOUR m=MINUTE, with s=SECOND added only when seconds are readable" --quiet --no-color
h=12 m=2
